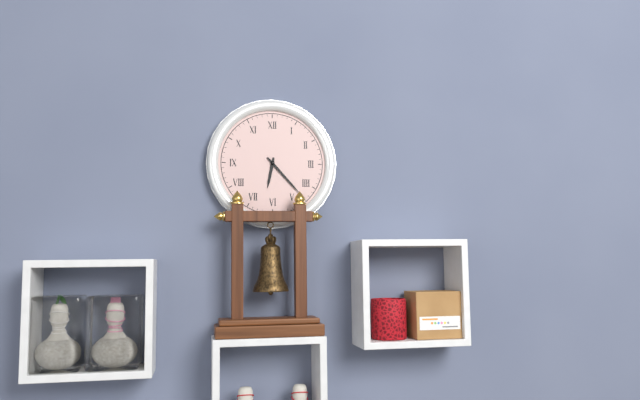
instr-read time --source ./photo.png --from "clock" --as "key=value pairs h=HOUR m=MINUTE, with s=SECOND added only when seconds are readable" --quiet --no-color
h=6 m=23
